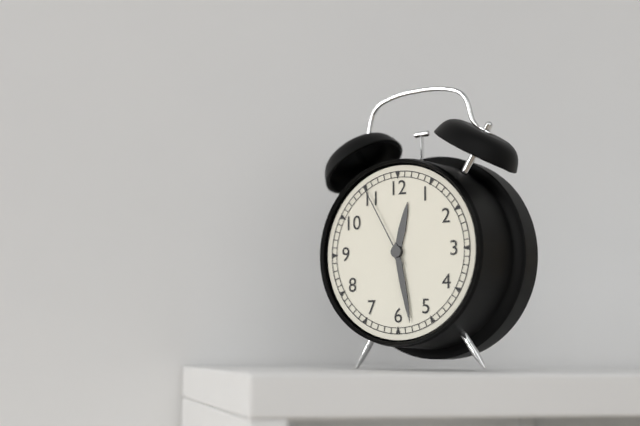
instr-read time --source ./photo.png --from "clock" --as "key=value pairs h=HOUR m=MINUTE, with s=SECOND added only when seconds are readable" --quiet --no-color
h=12 m=28 s=55
